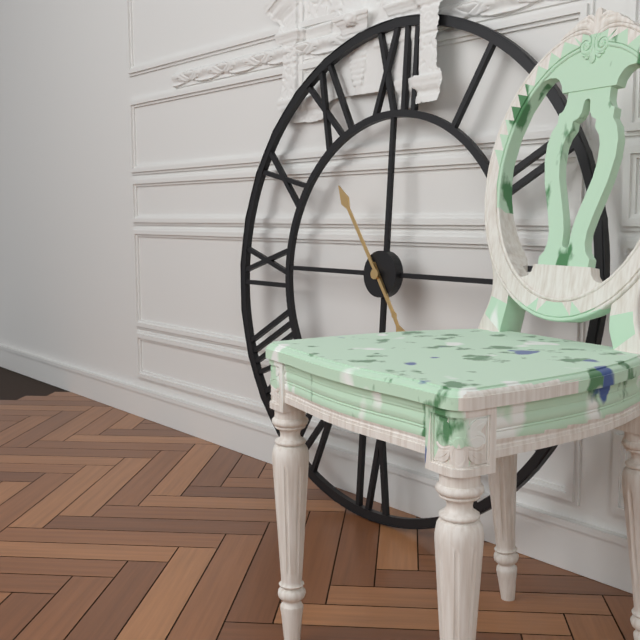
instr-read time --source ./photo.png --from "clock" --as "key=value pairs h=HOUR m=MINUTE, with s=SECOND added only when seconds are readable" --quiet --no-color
h=4 m=54
